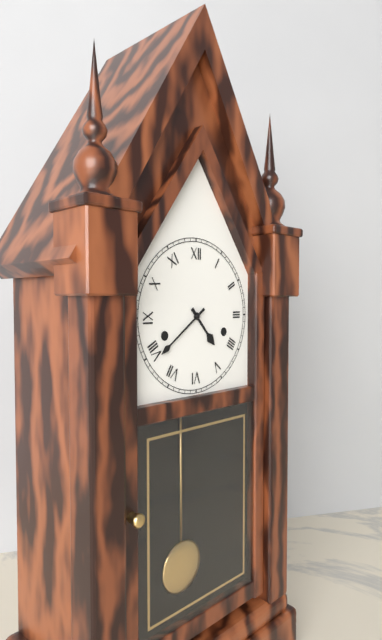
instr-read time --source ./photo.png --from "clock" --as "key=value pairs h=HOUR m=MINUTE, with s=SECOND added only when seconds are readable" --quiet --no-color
h=4 m=39
